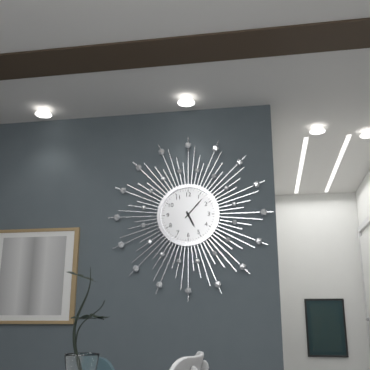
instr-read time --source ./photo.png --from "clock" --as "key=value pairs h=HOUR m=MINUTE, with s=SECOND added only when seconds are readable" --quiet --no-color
h=5 m=7
